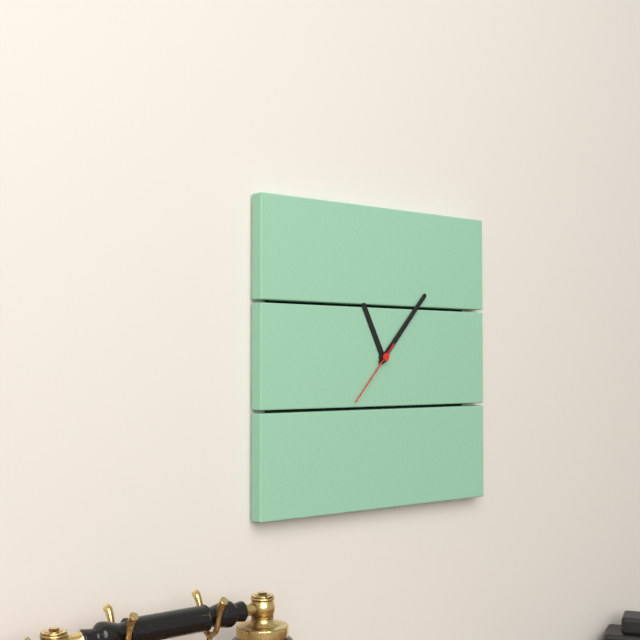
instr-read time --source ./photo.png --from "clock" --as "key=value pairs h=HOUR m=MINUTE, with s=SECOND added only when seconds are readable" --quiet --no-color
h=11 m=7 s=37
